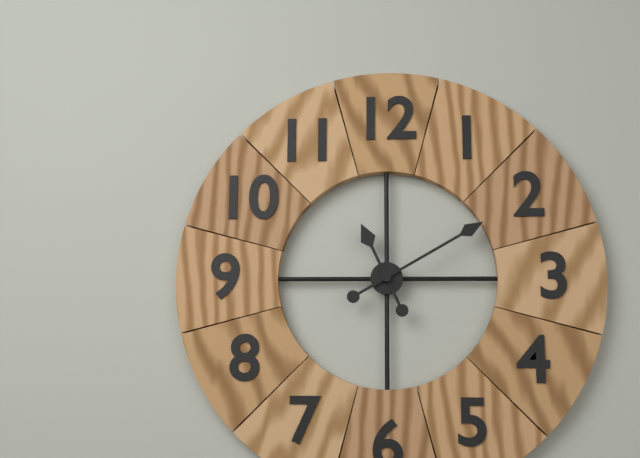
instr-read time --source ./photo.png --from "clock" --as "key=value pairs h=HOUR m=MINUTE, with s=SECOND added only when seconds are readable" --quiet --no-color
h=11 m=10
